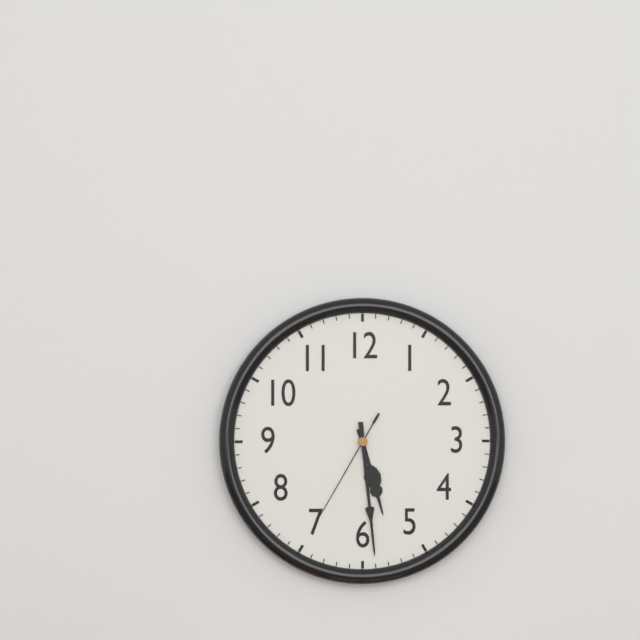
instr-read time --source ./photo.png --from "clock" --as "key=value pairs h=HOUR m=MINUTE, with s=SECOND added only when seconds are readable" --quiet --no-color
h=5 m=29 s=35
